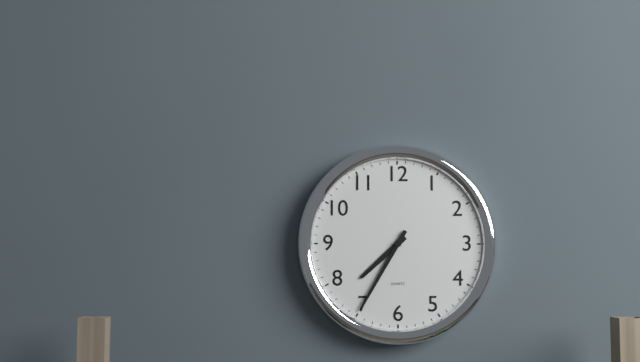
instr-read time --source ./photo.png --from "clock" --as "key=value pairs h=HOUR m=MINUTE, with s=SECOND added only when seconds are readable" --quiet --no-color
h=7 m=35
